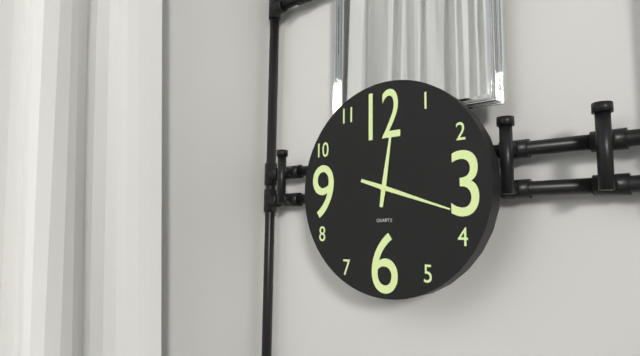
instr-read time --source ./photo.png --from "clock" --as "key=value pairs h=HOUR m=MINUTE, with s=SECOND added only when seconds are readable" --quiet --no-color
h=12 m=18
